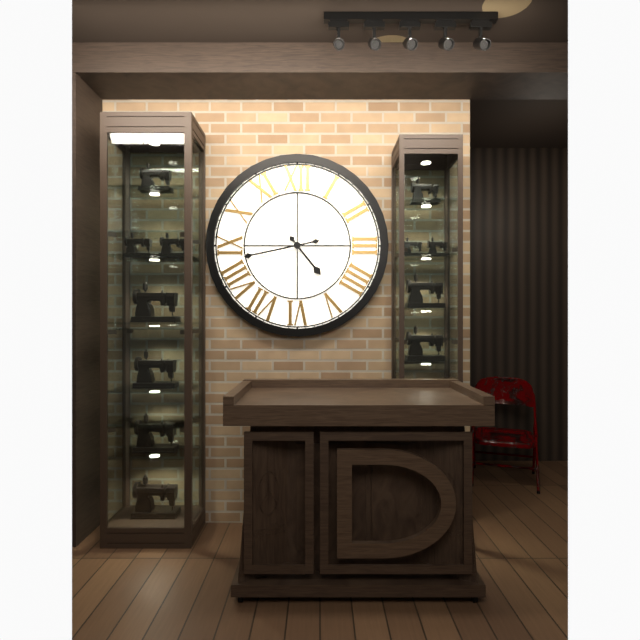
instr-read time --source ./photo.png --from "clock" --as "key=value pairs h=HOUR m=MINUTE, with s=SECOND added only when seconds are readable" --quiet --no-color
h=4 m=43
